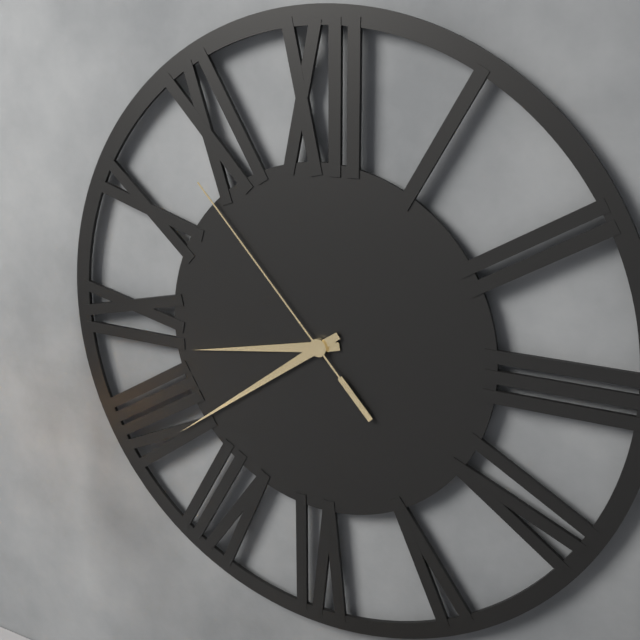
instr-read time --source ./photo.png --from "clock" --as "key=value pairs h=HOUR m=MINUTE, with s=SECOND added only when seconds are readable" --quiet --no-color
h=8 m=39 s=53
